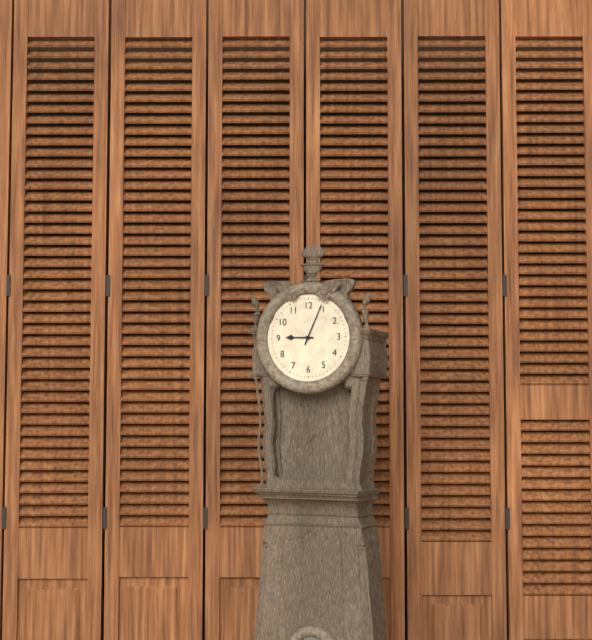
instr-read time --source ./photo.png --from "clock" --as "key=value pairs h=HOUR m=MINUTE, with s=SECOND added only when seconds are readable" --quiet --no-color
h=9 m=4
